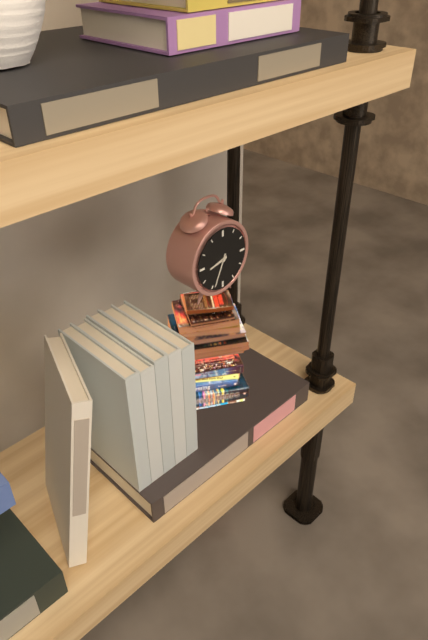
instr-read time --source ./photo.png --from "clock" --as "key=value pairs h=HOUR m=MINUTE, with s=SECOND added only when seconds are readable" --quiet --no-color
h=8 m=34
